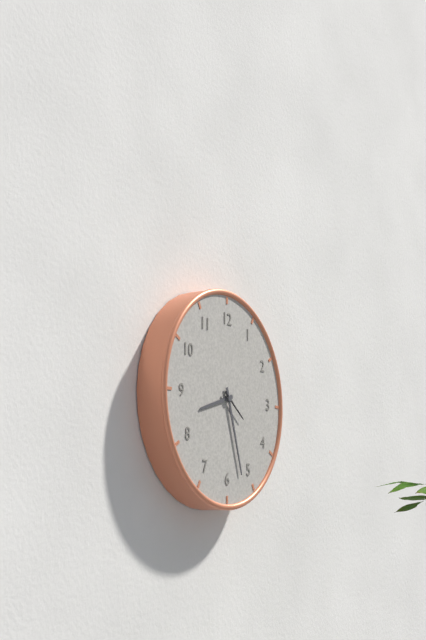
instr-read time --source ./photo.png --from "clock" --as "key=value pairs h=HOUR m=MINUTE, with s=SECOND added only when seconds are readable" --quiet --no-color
h=8 m=27
